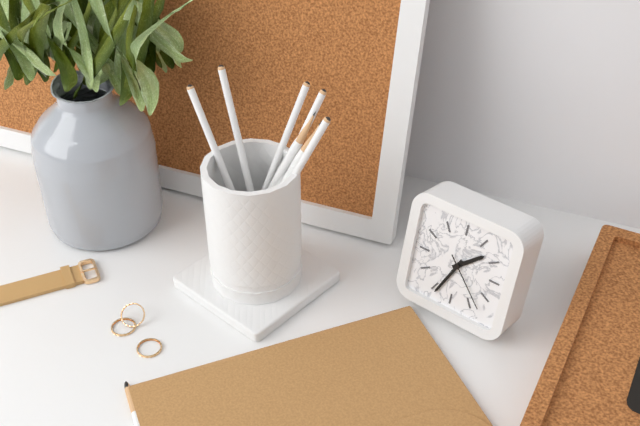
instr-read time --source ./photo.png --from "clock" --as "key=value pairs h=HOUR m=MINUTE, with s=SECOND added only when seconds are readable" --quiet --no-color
h=1 m=34 s=23
